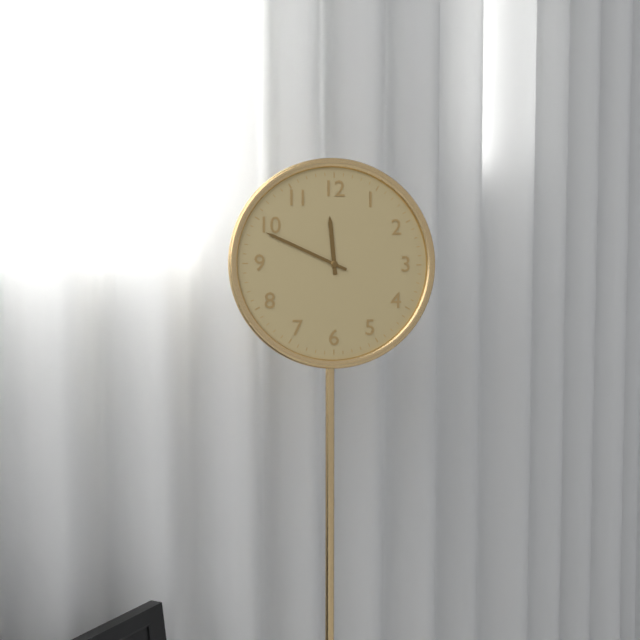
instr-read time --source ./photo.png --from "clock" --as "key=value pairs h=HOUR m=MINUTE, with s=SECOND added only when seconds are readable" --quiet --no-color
h=11 m=49
